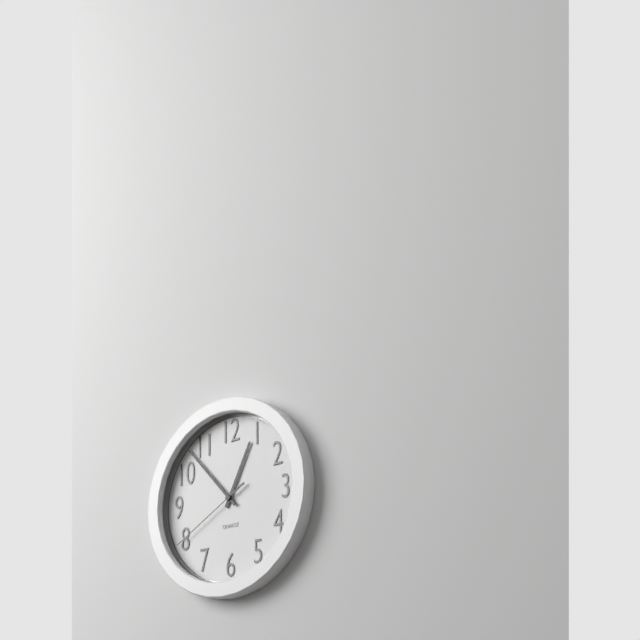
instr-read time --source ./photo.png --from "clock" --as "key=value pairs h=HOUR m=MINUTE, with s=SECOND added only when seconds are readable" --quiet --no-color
h=12 m=53 s=40
